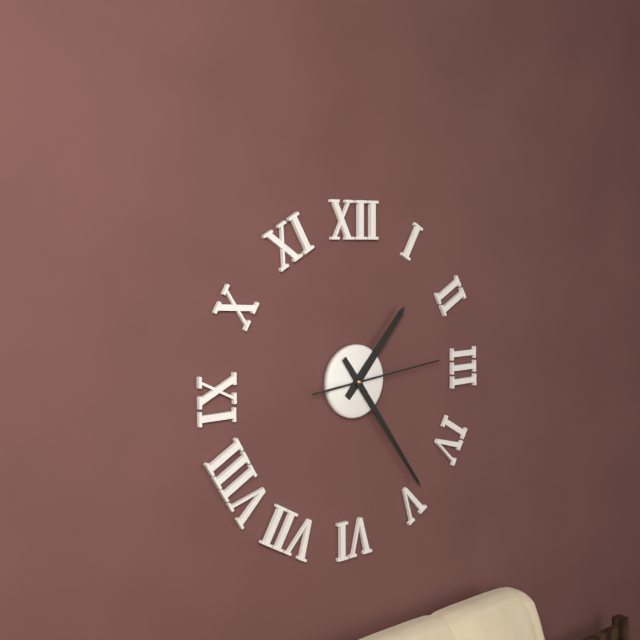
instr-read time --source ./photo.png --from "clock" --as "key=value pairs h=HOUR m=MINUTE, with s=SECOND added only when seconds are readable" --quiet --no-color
h=1 m=24 s=14
